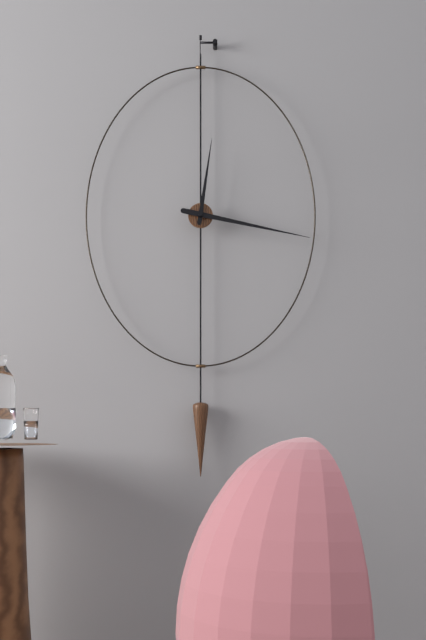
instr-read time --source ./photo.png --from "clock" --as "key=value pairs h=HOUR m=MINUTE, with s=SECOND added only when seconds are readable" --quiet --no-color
h=12 m=17
